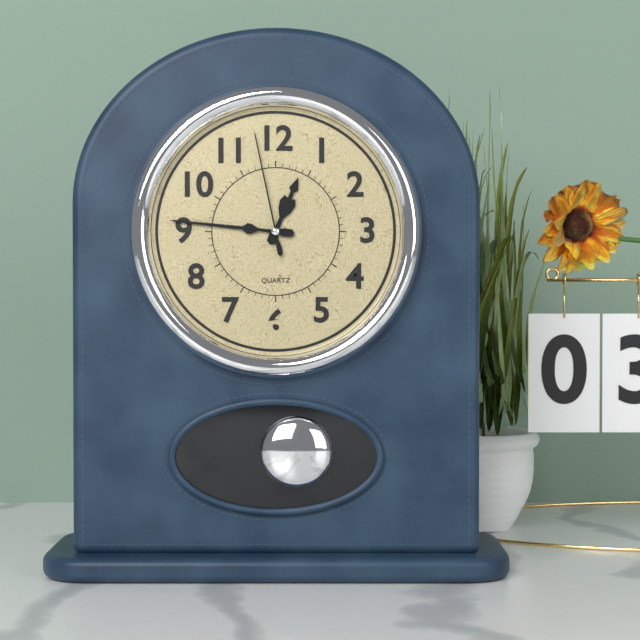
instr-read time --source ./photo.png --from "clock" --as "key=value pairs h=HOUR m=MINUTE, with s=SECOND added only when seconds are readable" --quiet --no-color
h=12 m=46 s=58
